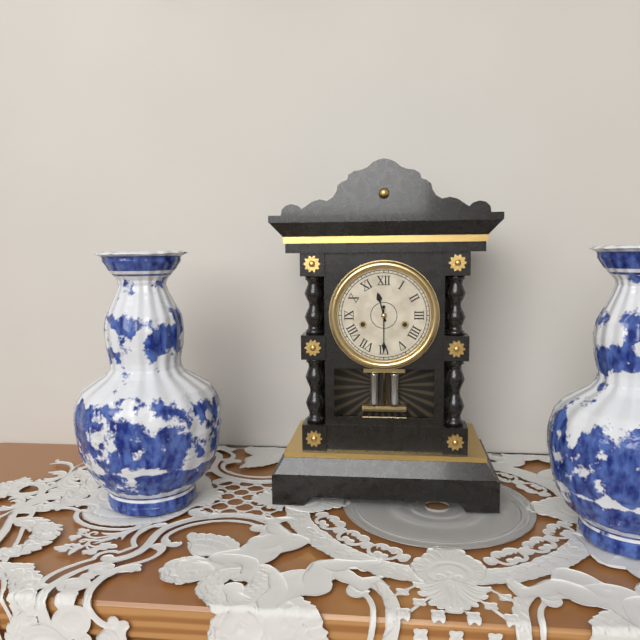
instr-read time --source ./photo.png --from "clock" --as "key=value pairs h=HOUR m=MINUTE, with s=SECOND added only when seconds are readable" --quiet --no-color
h=11 m=30
